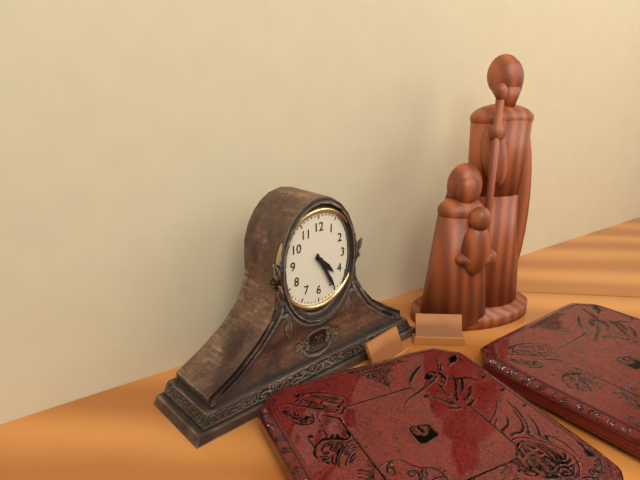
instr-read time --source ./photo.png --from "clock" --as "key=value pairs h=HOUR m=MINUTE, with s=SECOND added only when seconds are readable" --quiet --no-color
h=4 m=25
